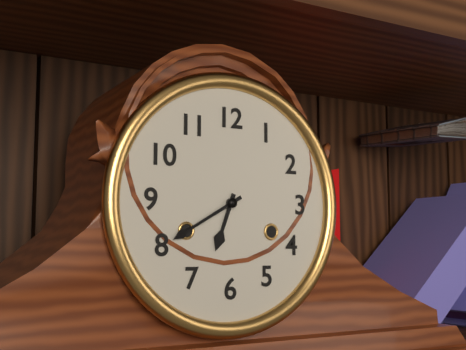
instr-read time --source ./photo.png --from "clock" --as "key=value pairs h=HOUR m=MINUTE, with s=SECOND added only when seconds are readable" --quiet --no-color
h=6 m=40
